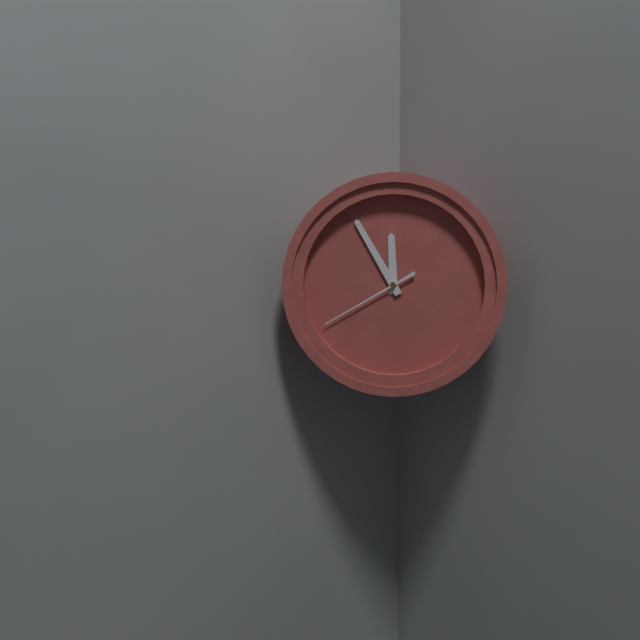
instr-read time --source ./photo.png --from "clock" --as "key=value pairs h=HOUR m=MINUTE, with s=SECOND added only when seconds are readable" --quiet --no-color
h=11 m=55 s=40
